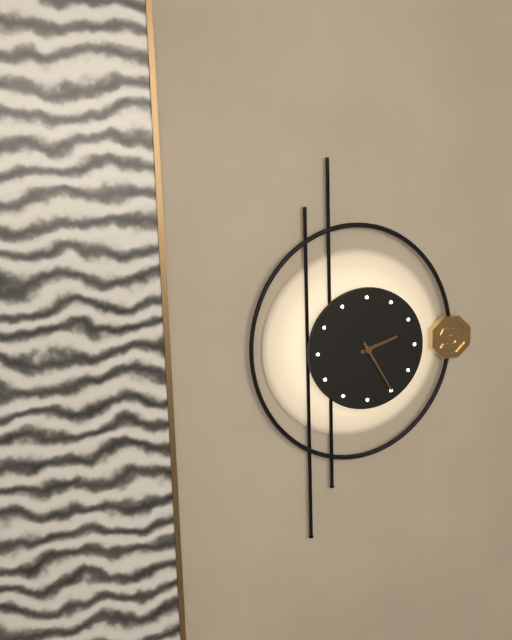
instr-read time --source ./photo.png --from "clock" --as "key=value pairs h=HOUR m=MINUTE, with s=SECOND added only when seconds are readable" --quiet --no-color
h=2 m=25
